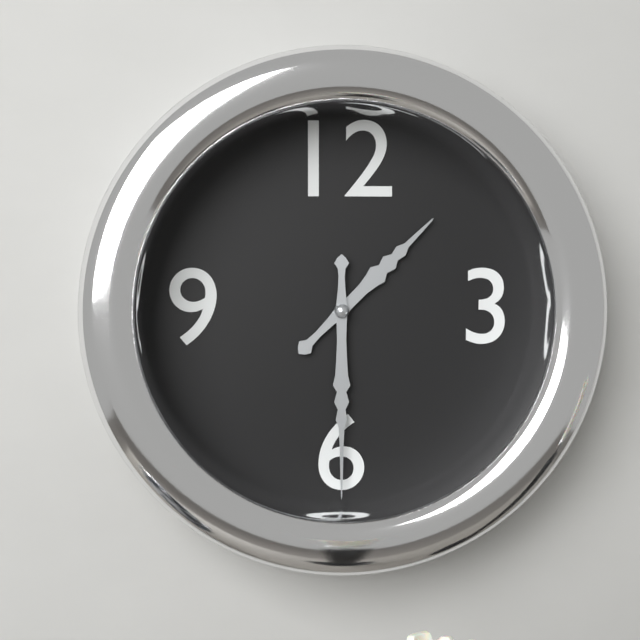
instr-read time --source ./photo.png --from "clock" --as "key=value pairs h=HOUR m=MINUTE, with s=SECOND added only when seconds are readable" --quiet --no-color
h=1 m=30
